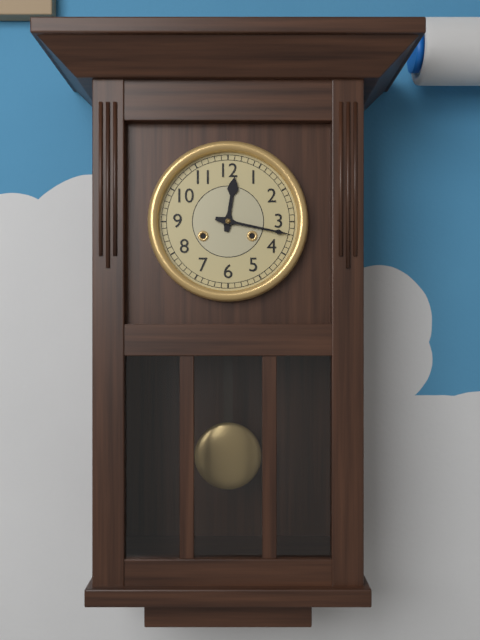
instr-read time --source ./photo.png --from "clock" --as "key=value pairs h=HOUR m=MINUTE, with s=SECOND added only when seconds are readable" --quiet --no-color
h=12 m=17
